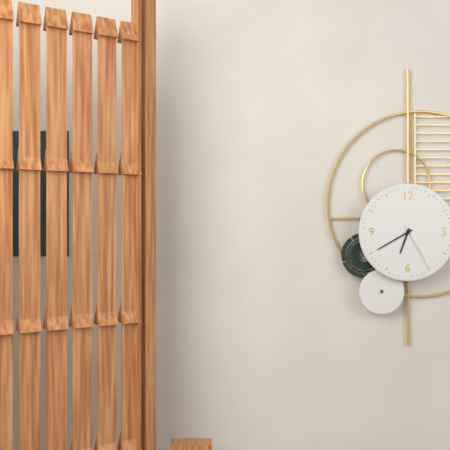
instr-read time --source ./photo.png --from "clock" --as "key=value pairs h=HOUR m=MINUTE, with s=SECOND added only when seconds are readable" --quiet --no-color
h=6 m=40 s=25
